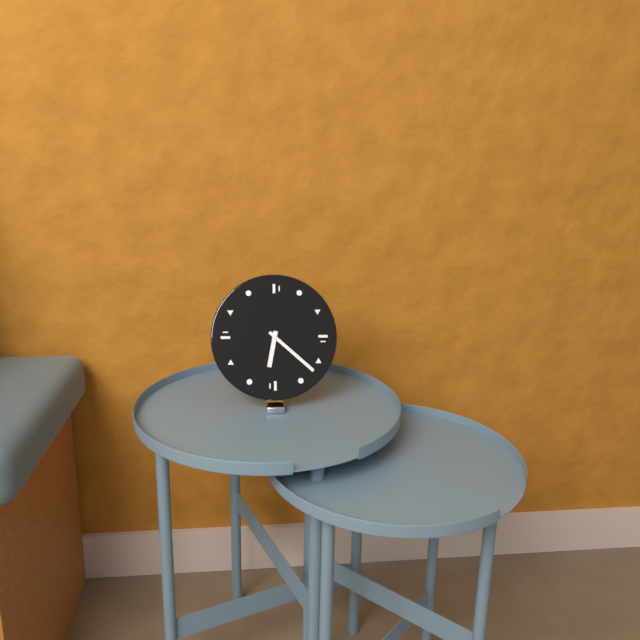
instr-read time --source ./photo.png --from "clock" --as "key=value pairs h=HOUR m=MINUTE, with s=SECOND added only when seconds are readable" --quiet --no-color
h=6 m=22
